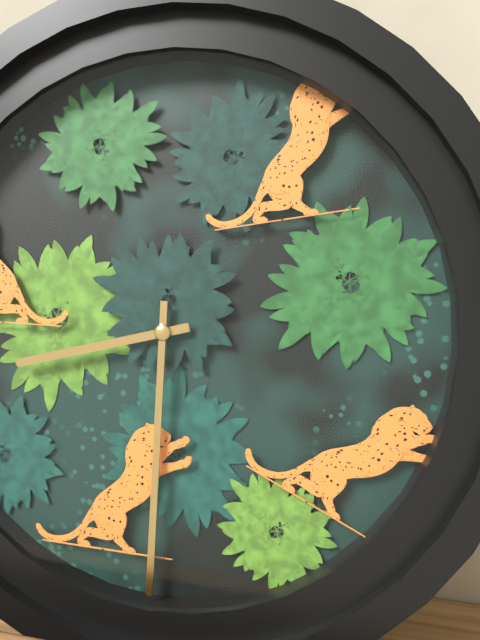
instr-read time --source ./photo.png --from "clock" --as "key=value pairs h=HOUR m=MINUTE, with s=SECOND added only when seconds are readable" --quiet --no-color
h=8 m=30
